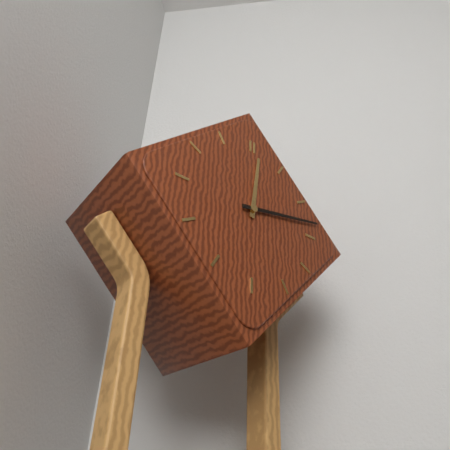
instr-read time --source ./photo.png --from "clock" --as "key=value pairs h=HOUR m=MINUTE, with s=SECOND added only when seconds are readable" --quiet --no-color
h=12 m=13
